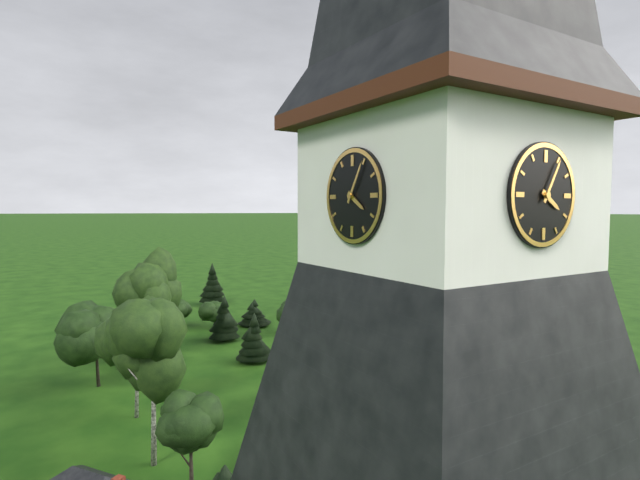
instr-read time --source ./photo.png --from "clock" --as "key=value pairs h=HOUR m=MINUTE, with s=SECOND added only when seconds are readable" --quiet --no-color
h=4 m=5
